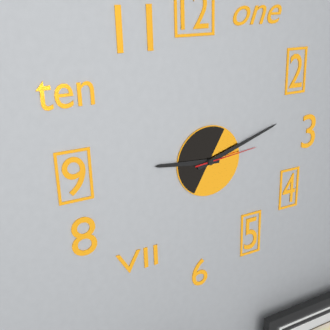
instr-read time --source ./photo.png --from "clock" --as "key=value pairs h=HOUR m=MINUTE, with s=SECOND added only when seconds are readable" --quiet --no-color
h=9 m=12 s=14
